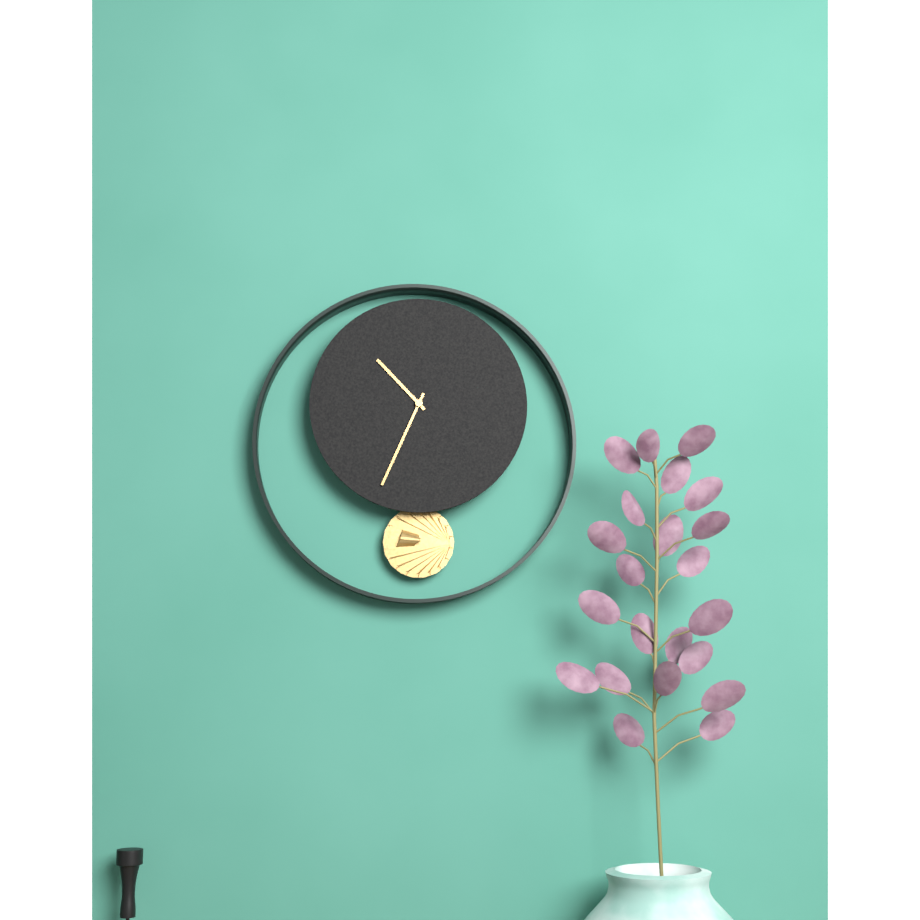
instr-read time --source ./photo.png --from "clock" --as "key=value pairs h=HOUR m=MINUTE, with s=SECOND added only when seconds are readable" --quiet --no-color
h=10 m=34
